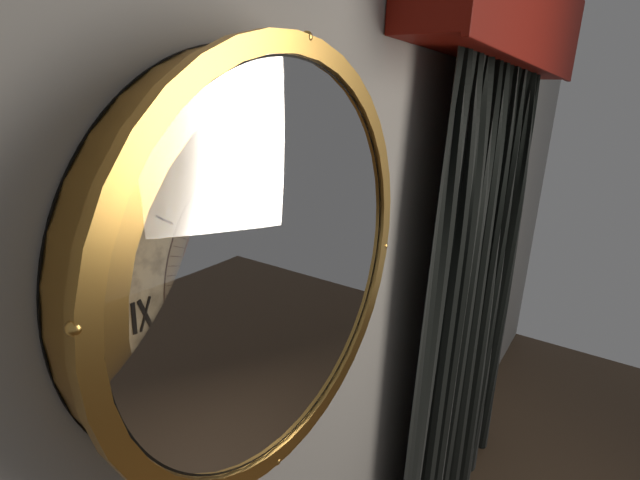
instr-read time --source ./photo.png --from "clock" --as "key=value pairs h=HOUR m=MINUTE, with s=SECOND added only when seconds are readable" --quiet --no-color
h=1 m=23
